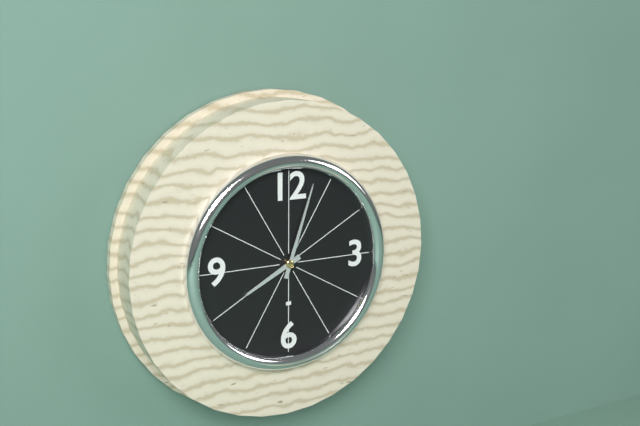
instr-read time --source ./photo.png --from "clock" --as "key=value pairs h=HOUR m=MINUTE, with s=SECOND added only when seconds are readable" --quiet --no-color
h=8 m=3
